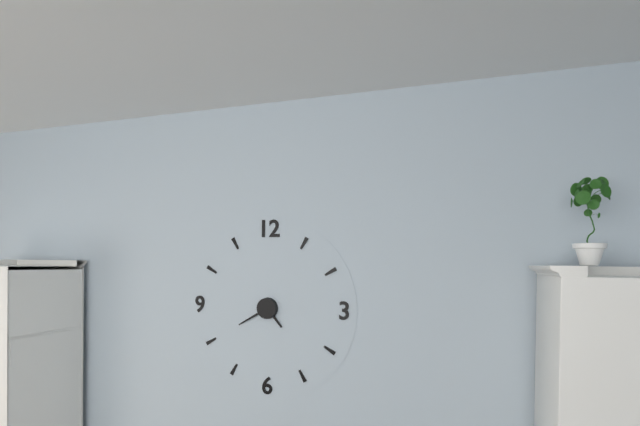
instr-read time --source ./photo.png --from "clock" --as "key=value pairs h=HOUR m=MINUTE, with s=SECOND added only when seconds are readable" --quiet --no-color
h=4 m=40
